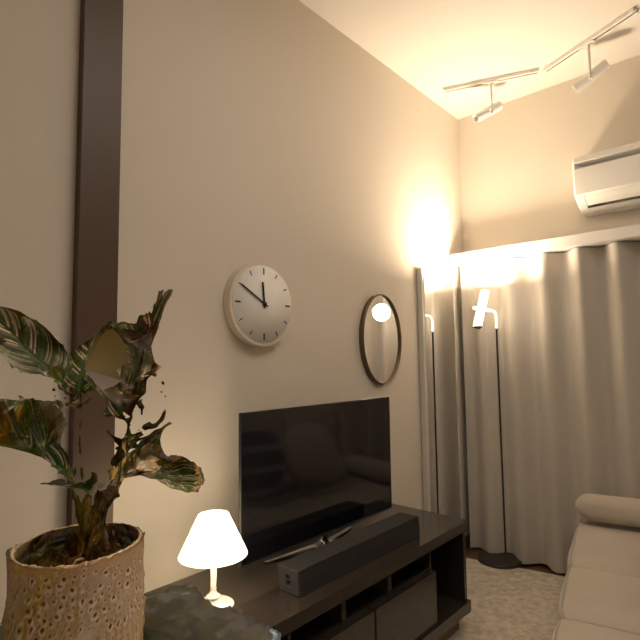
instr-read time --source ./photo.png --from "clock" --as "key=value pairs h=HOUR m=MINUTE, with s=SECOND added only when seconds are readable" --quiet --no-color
h=11 m=50
